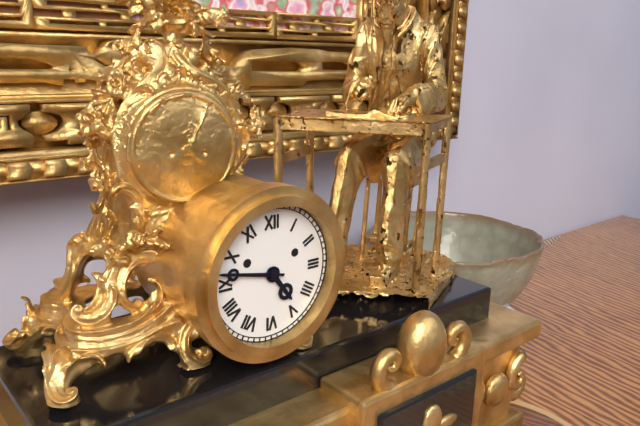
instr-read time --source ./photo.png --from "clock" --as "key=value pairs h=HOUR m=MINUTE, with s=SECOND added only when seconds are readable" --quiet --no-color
h=4 m=47
